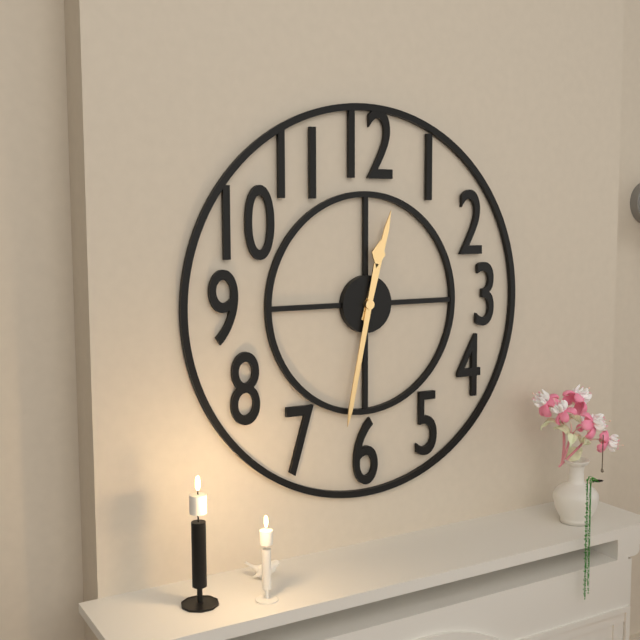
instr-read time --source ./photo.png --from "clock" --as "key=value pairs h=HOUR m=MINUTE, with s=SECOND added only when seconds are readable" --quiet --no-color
h=12 m=32
